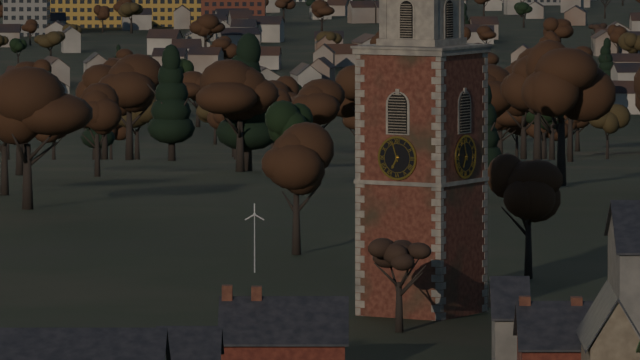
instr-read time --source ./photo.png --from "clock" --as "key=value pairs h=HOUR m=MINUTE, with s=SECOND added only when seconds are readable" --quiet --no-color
h=6 m=57
